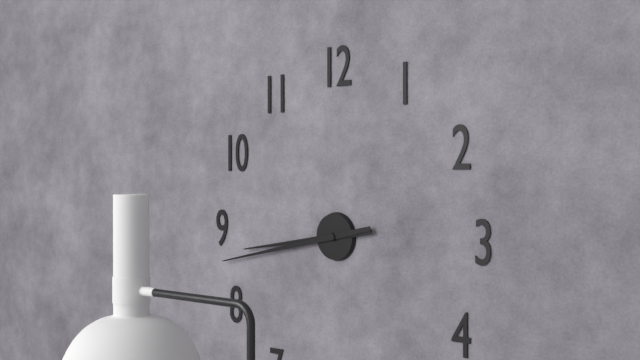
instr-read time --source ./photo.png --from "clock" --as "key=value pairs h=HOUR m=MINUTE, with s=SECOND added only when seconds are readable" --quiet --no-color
h=8 m=43
